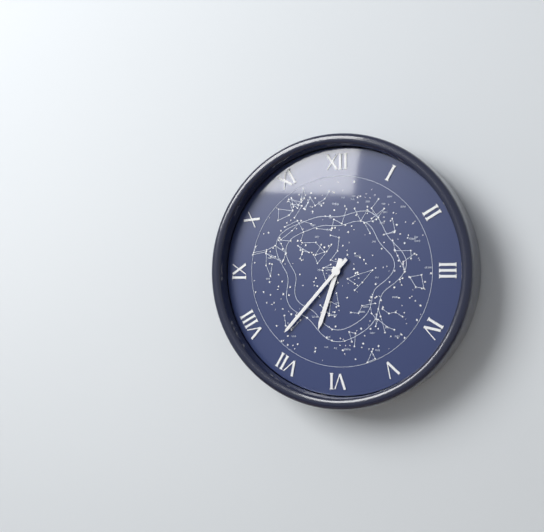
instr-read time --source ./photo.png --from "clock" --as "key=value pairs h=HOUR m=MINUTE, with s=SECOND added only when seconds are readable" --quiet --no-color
h=6 m=37
